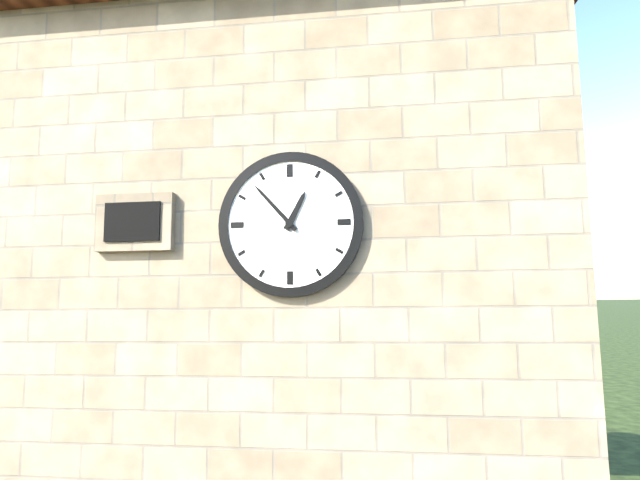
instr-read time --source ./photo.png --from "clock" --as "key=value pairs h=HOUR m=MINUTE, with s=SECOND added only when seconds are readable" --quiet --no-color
h=12 m=53
